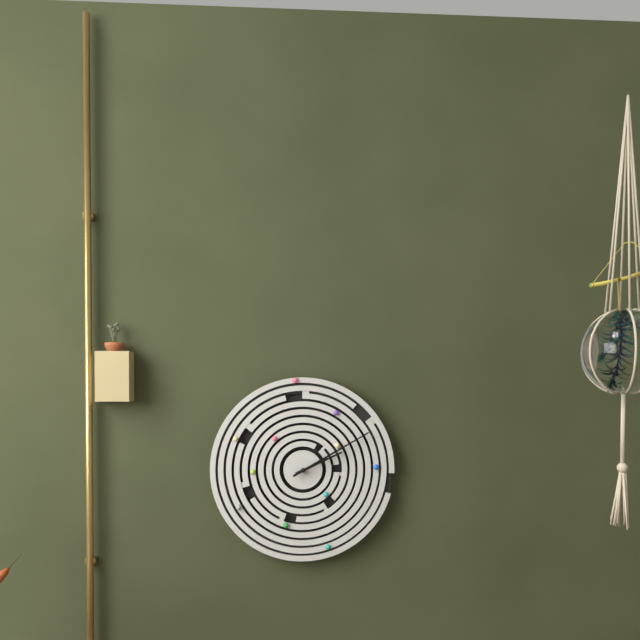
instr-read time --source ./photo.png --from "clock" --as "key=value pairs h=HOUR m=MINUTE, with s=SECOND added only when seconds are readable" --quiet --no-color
h=2 m=10
